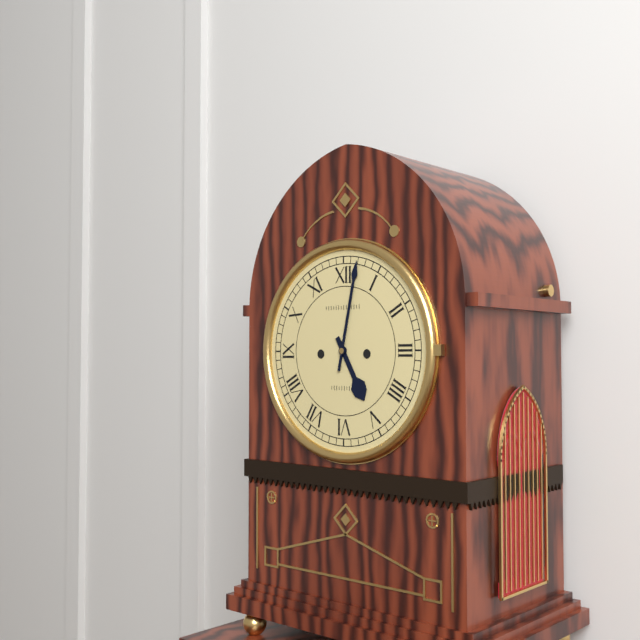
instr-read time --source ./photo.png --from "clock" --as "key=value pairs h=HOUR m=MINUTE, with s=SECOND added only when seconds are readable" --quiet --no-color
h=5 m=2
